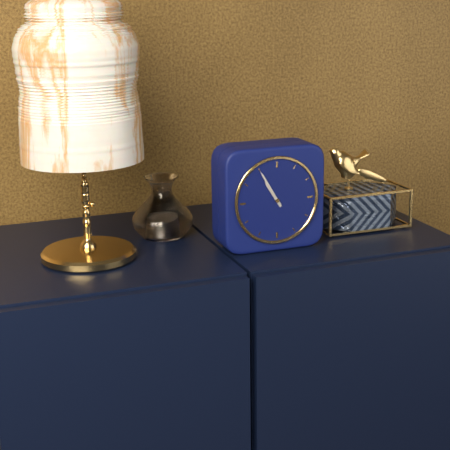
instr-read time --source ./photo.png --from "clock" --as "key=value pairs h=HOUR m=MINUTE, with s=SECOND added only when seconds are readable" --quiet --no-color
h=10 m=55
